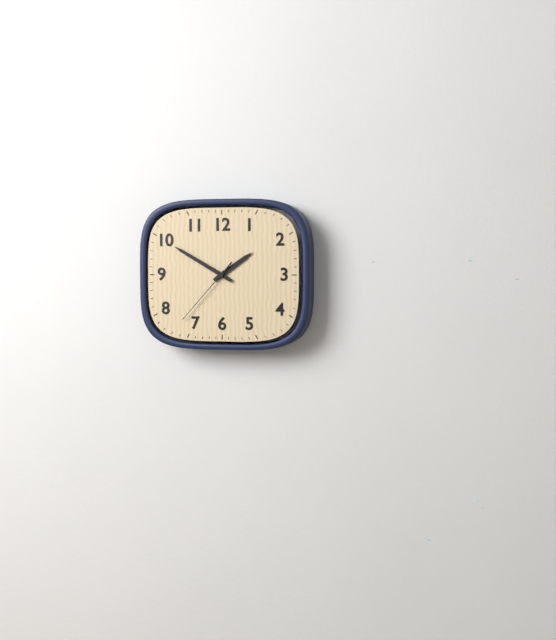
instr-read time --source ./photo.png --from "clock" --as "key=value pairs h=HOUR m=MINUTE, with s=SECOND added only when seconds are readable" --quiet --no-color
h=1 m=50 s=37
